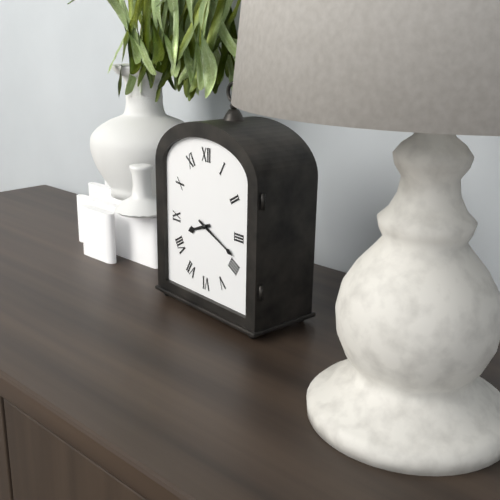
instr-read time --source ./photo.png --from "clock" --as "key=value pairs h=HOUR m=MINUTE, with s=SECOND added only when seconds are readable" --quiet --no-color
h=8 m=19
